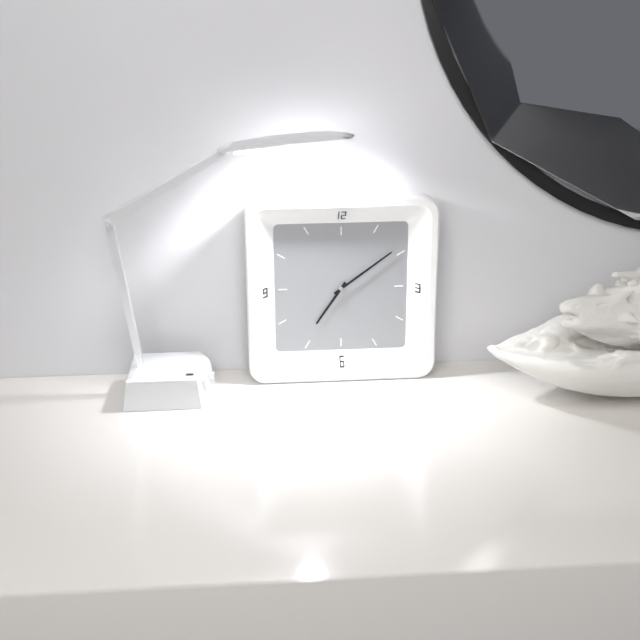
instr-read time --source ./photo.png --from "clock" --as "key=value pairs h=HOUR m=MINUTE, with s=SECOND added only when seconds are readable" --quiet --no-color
h=7 m=9
